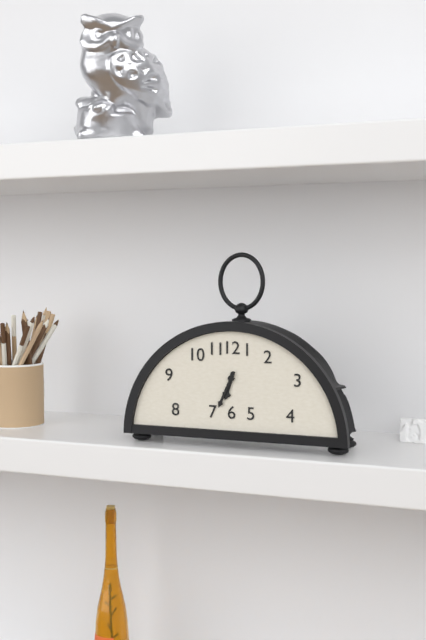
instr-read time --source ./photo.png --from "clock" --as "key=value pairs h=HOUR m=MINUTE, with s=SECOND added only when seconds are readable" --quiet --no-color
h=6 m=34
